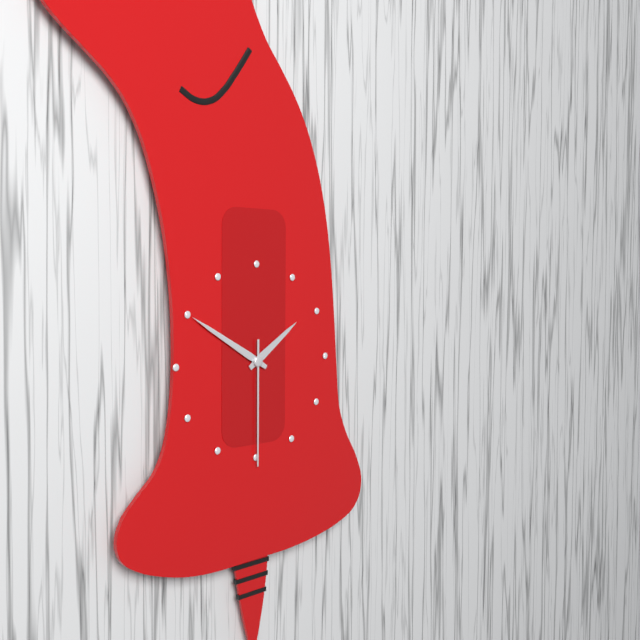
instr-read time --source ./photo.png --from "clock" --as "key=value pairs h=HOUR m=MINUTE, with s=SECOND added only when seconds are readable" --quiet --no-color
h=1 m=50 s=30
